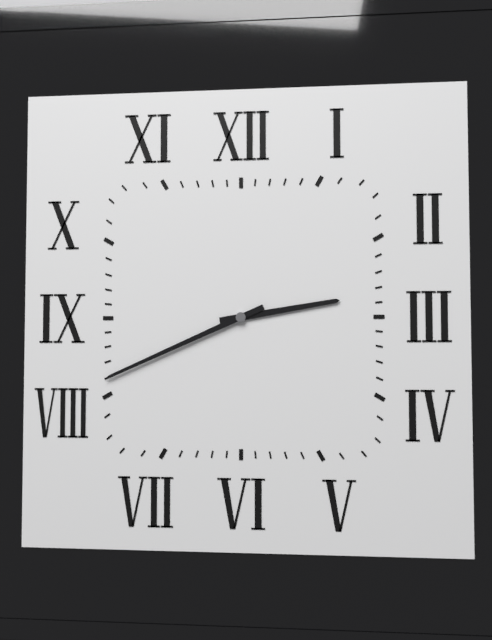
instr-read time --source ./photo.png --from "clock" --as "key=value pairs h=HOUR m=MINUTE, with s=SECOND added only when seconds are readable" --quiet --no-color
h=2 m=41
